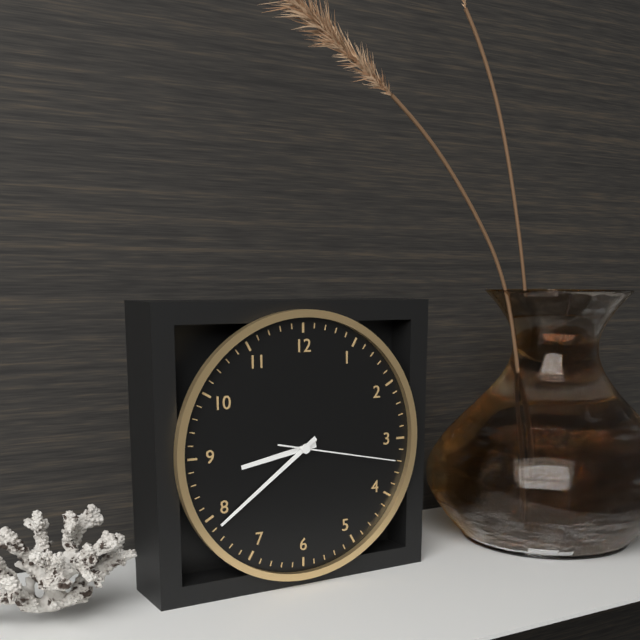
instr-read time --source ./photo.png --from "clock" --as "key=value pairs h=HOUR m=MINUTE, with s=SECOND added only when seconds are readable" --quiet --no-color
h=8 m=39 s=17
